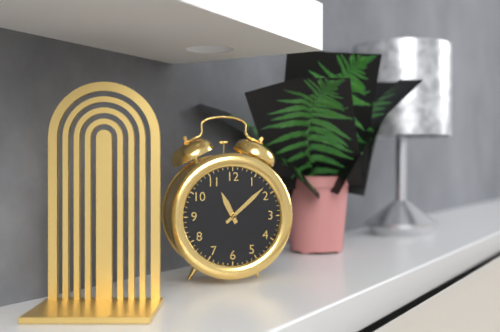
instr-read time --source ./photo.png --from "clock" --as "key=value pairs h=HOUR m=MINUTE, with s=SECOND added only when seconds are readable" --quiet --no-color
h=11 m=8
